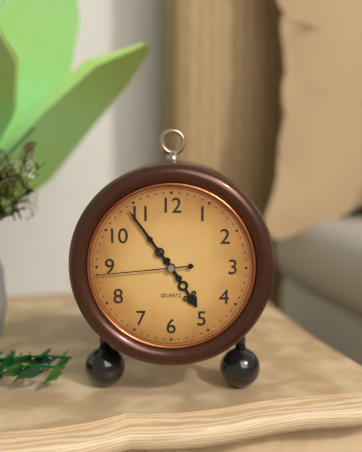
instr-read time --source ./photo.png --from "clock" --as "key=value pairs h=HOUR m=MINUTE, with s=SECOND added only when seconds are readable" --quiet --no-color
h=4 m=54 s=44
